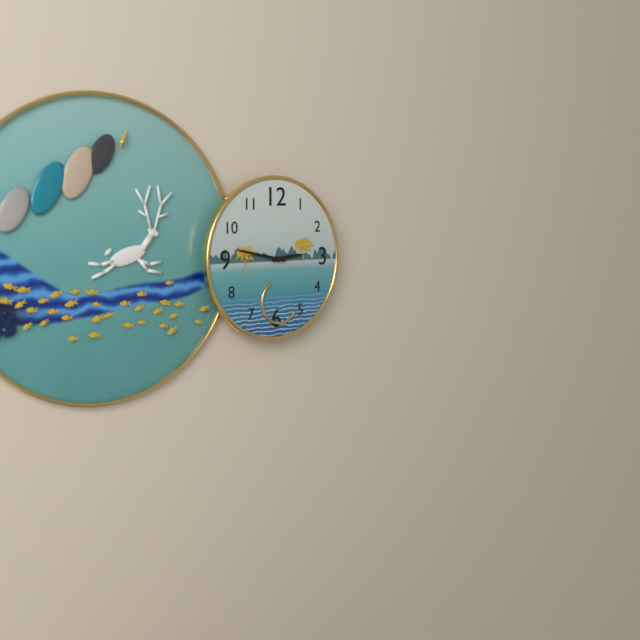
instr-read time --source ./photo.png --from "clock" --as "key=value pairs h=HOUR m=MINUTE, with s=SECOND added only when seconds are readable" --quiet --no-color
h=2 m=47
